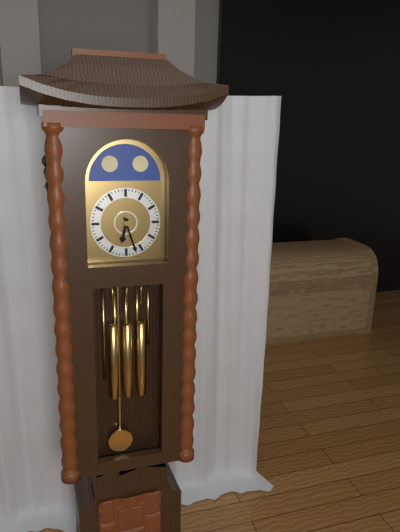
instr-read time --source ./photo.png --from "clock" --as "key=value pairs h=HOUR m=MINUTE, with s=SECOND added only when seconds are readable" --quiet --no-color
h=6 m=27
